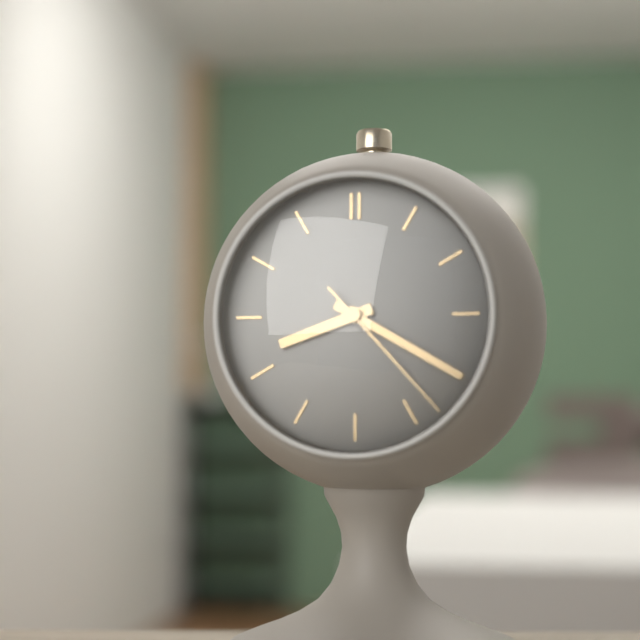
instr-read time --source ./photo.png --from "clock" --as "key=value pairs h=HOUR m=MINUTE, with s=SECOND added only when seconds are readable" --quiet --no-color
h=8 m=20 s=23
